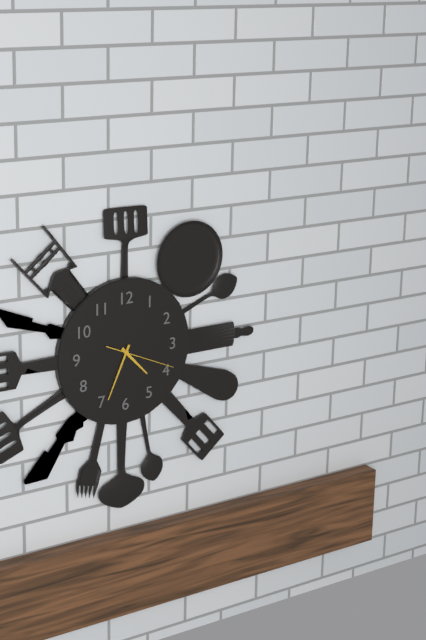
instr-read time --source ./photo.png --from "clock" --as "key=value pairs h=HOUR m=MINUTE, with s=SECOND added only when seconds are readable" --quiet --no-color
h=4 m=34 s=19
